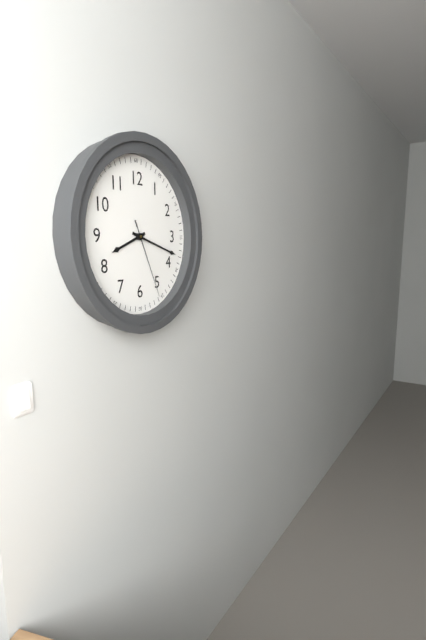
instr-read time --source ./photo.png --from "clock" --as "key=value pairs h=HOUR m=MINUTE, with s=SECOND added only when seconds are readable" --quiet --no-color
h=8 m=18 s=26
